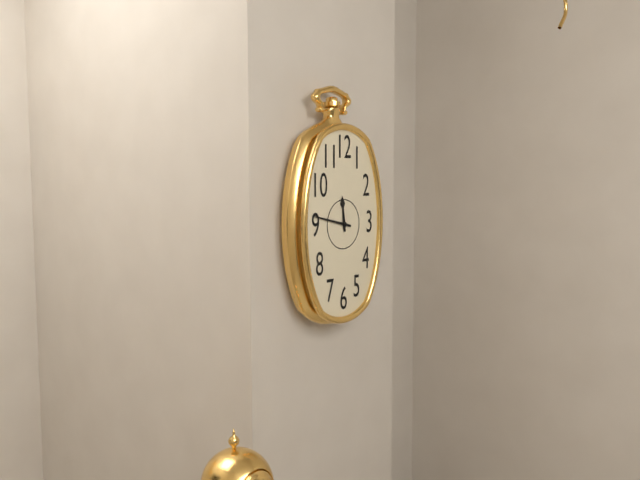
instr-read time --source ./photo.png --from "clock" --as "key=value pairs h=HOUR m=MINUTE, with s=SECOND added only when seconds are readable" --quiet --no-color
h=11 m=47
